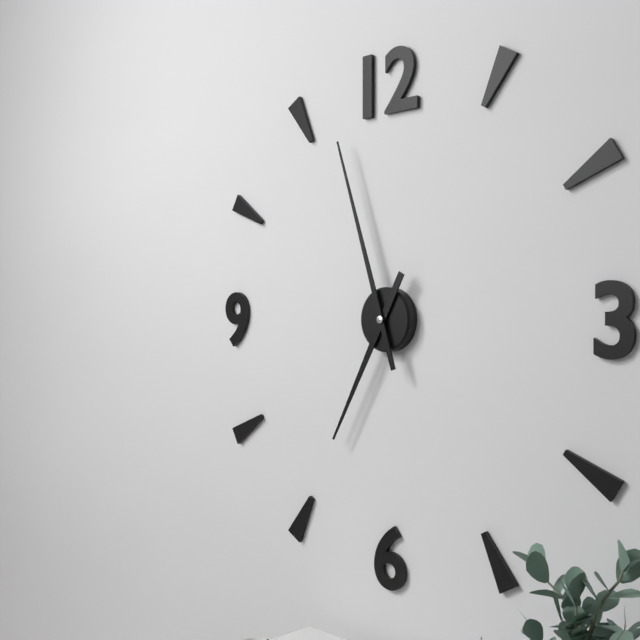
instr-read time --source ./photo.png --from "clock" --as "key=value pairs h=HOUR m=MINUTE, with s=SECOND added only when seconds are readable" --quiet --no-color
h=6 m=57
